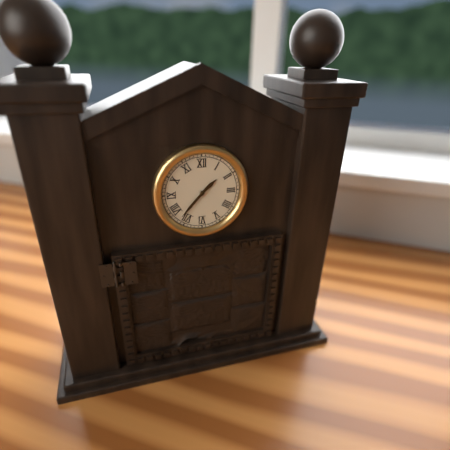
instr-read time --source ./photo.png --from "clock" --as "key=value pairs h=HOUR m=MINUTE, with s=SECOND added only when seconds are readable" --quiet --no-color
h=1 m=37
